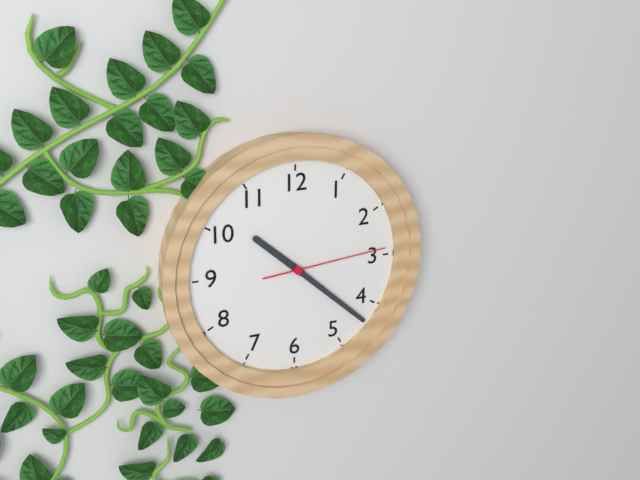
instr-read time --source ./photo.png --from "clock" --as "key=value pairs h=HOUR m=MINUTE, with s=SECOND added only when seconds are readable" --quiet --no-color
h=10 m=22 s=14
